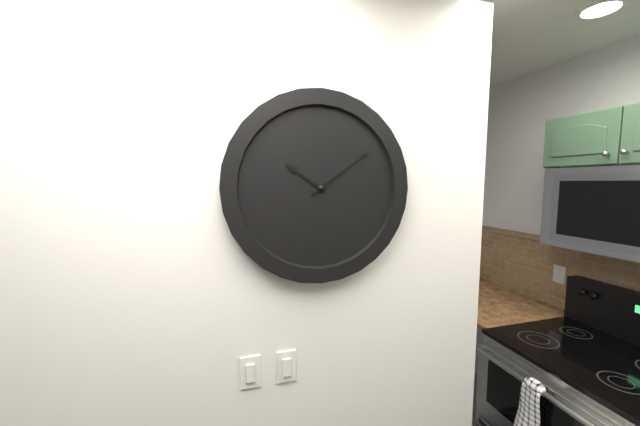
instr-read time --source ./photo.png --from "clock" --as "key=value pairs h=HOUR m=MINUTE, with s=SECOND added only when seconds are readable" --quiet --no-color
h=10 m=9
